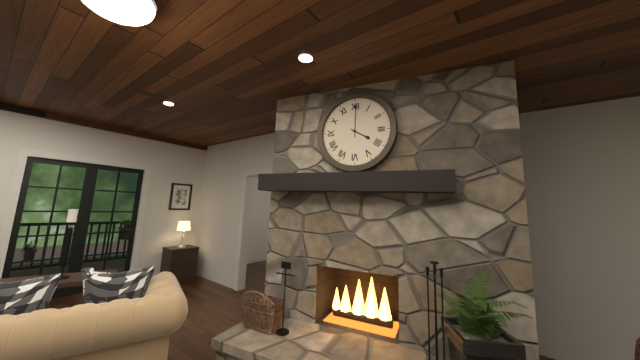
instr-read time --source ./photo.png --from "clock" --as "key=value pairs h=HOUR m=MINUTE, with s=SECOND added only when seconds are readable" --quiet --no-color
h=4 m=0
